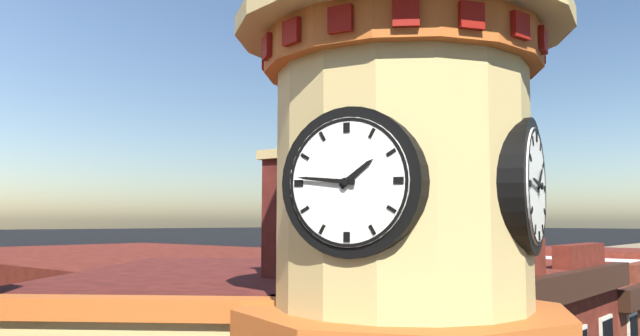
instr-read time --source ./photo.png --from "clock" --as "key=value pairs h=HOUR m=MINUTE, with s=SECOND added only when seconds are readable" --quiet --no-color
h=1 m=46
